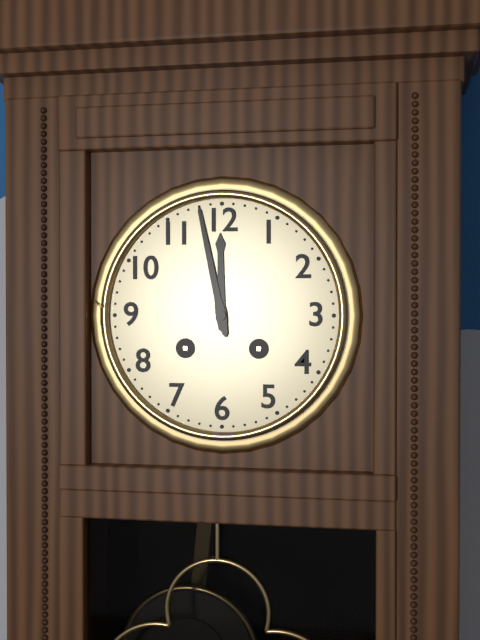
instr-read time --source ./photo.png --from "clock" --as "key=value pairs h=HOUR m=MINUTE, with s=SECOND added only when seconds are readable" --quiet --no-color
h=11 m=58
